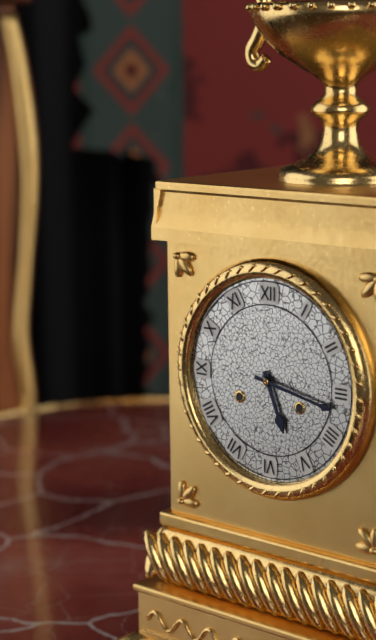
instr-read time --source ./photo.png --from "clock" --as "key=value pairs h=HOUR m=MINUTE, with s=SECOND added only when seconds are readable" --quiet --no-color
h=5 m=17
